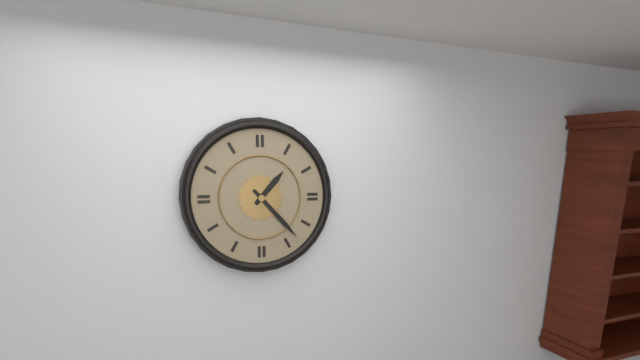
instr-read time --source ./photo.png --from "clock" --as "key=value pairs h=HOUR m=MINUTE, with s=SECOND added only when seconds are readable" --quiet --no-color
h=1 m=23
